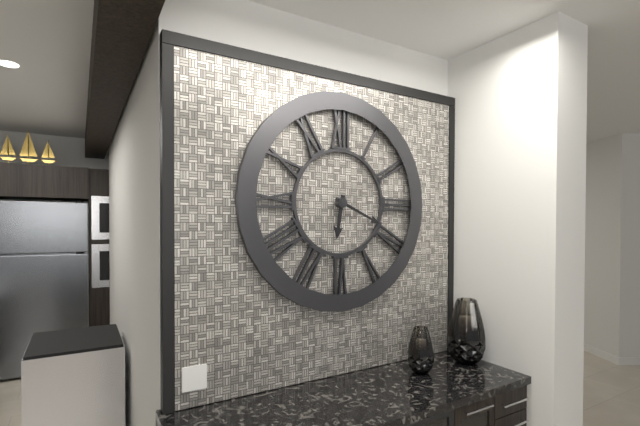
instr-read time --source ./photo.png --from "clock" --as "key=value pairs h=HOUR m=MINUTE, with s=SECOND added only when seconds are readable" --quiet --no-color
h=6 m=19
